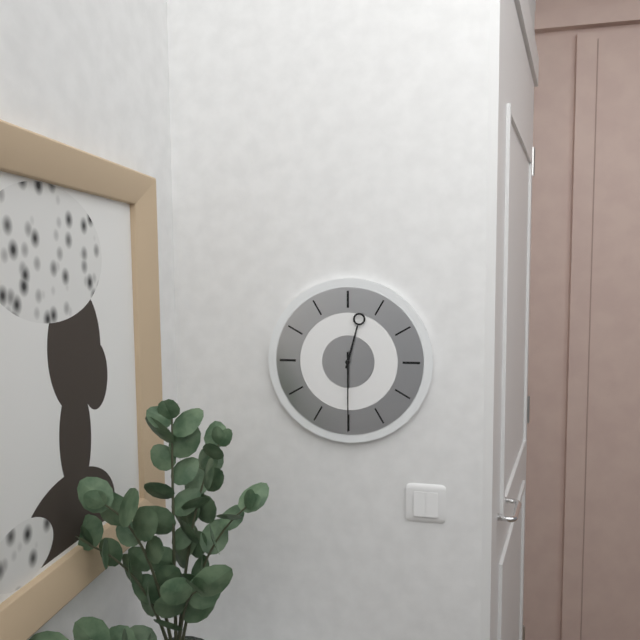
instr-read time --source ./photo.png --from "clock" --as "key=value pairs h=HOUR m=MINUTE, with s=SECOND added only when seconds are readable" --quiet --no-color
h=12 m=30
